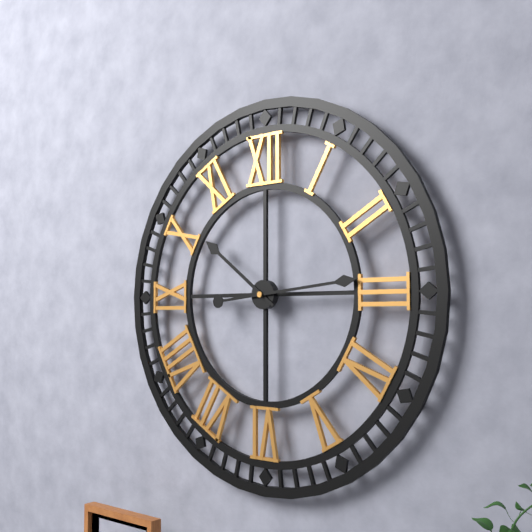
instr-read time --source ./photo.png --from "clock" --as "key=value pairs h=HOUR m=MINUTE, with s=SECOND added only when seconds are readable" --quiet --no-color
h=10 m=14
